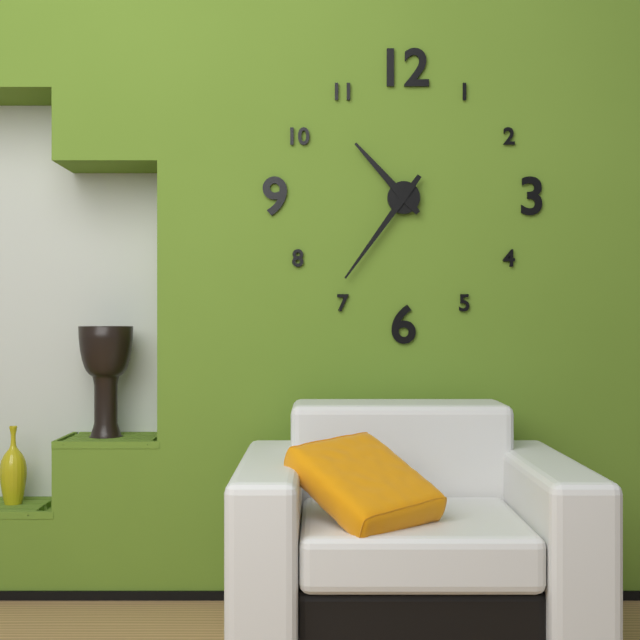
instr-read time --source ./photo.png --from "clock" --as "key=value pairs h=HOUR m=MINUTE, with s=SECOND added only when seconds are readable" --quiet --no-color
h=10 m=36
